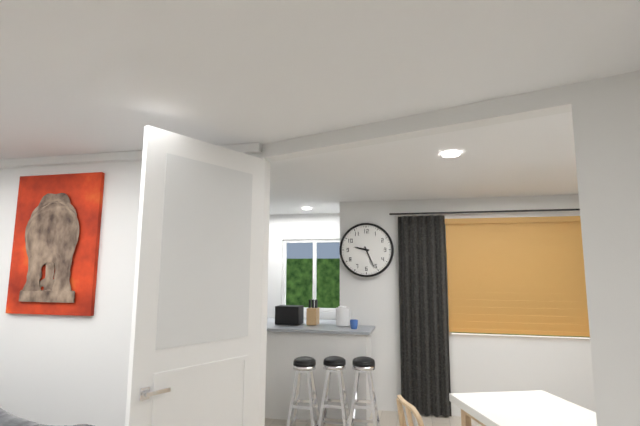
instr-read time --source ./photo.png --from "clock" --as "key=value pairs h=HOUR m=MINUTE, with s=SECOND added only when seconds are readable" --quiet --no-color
h=9 m=26
